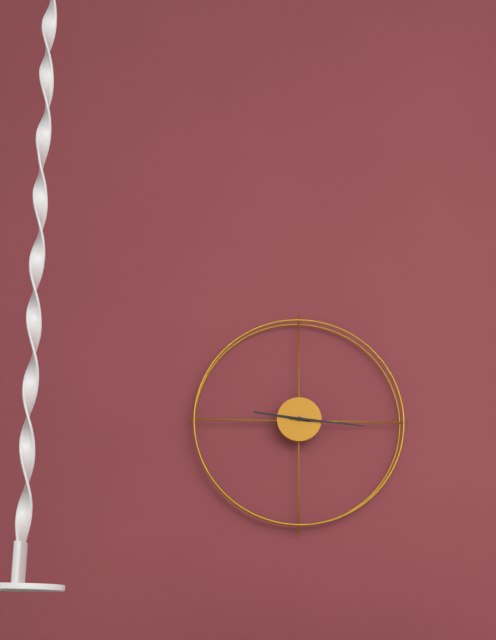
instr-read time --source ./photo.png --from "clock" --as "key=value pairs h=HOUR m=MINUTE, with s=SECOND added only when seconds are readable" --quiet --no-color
h=9 m=16
